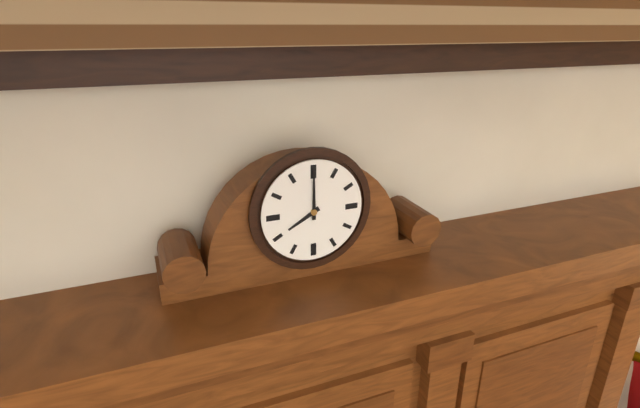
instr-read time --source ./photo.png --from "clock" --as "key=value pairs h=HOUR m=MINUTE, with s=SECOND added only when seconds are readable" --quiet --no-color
h=8 m=0
